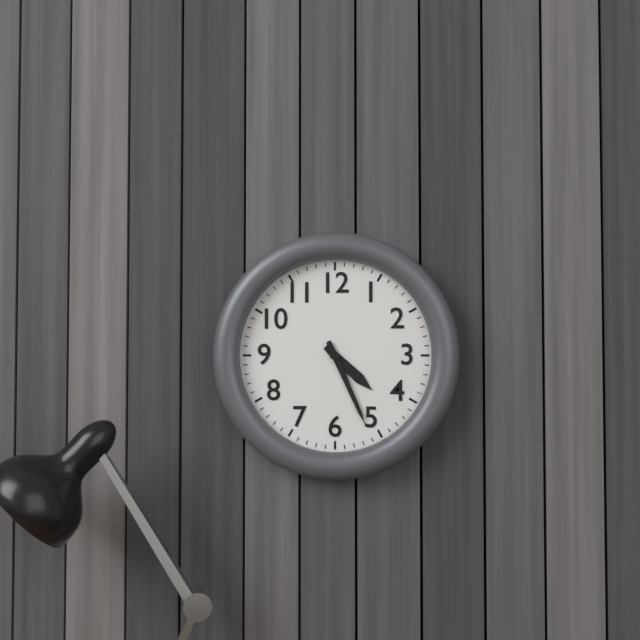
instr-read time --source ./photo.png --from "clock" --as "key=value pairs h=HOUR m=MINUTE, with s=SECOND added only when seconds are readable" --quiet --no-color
h=4 m=26
